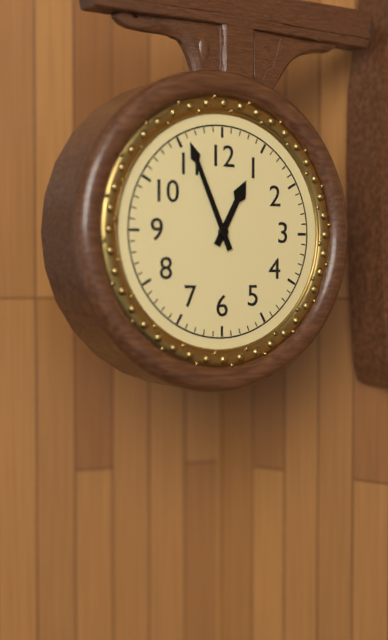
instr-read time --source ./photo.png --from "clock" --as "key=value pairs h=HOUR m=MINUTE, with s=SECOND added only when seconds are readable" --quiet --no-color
h=12 m=56
